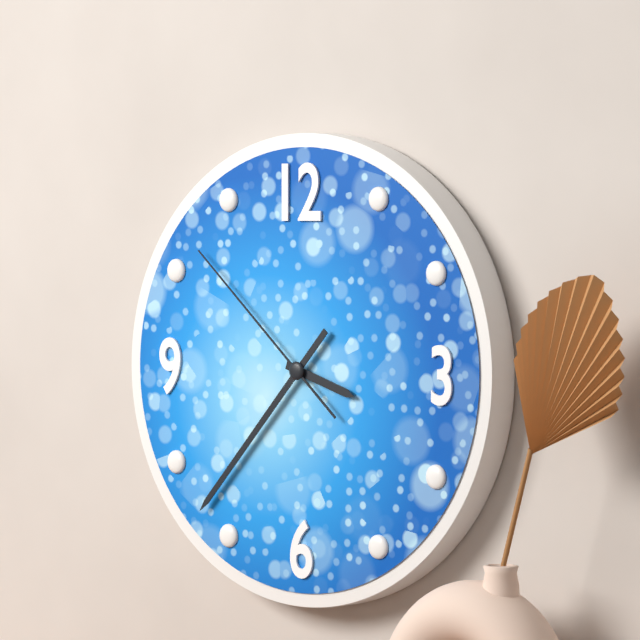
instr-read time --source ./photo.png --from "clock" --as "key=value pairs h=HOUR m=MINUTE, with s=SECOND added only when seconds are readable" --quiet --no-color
h=3 m=37 s=52
